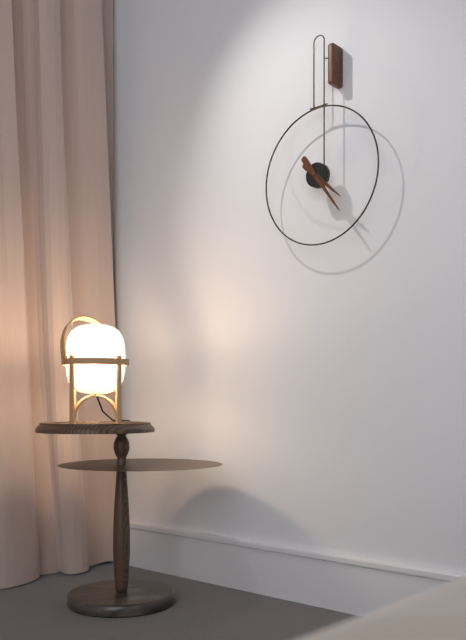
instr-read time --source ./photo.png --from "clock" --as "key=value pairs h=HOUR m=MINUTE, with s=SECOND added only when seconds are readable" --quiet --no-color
h=4 m=24
